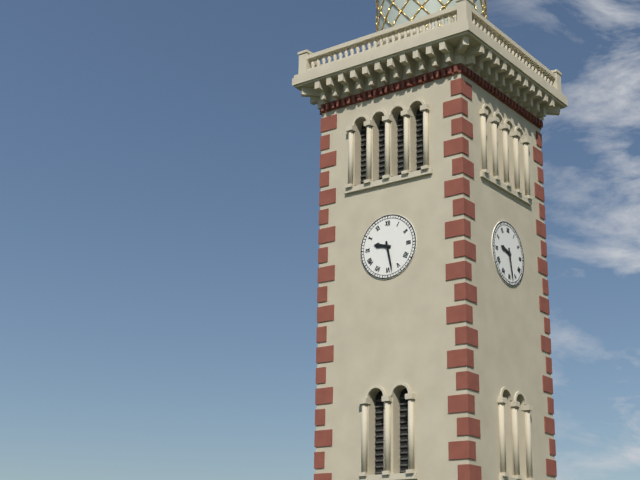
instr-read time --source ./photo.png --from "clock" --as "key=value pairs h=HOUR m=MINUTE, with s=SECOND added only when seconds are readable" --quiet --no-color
h=9 m=28
